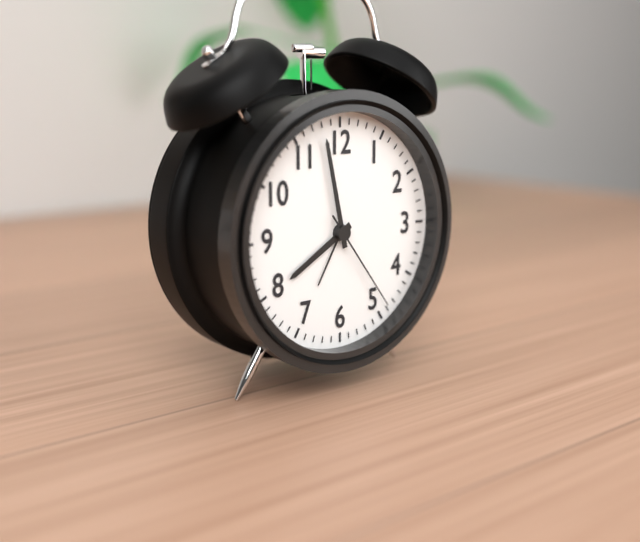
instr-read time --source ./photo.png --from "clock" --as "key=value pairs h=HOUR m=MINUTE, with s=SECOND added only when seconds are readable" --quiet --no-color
h=7 m=58 s=24
